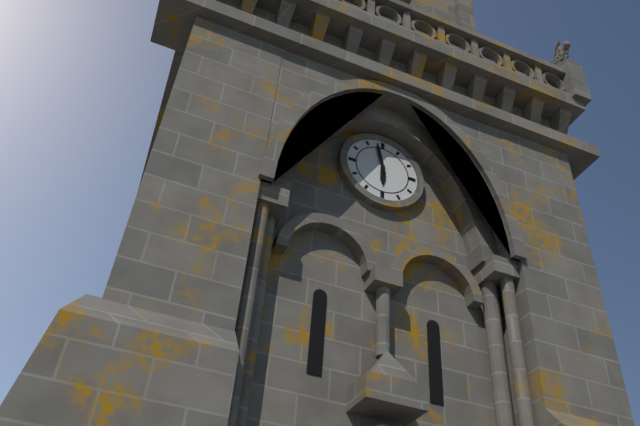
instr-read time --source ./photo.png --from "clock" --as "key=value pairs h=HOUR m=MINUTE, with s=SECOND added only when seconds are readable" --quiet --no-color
h=5 m=58
